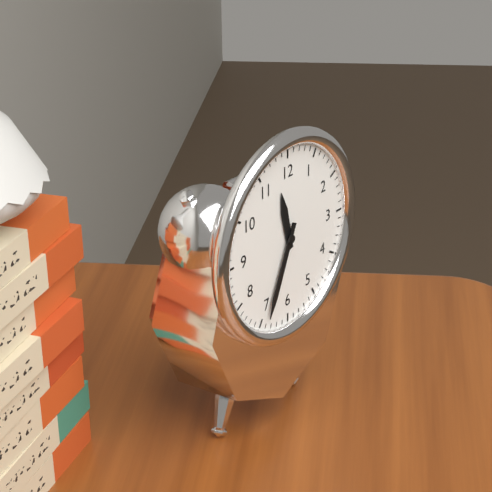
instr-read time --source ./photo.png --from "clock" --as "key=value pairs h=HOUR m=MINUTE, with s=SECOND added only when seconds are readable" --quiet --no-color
h=11 m=34
